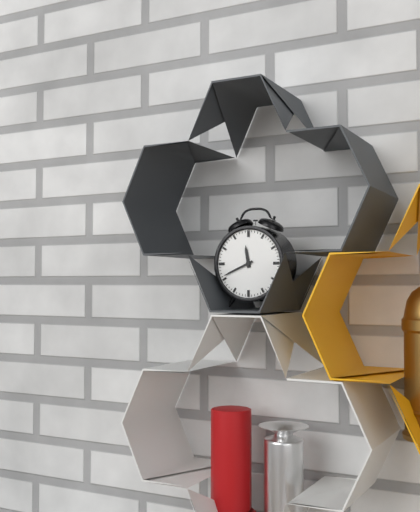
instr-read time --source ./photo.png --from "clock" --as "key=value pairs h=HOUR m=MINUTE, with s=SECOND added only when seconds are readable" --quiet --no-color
h=11 m=41
